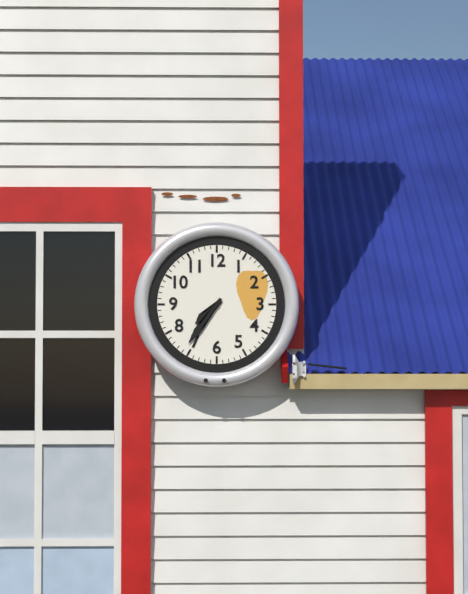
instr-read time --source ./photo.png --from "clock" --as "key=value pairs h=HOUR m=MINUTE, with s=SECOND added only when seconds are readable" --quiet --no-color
h=7 m=36
